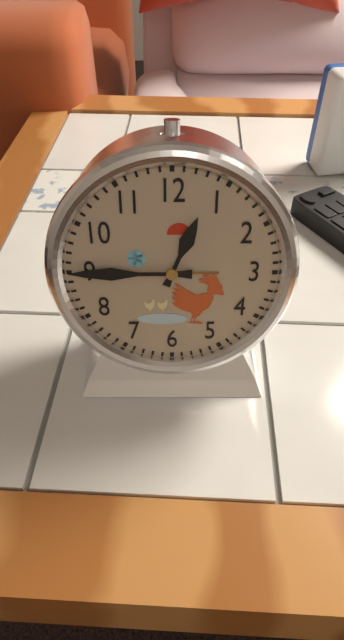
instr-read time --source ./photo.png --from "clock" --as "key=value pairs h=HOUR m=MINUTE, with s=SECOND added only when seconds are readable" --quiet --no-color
h=12 m=45
